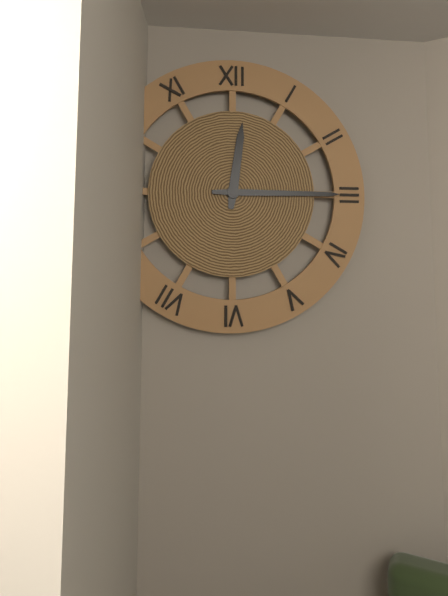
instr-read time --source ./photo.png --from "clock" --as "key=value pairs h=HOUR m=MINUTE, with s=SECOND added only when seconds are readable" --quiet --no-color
h=12 m=15
